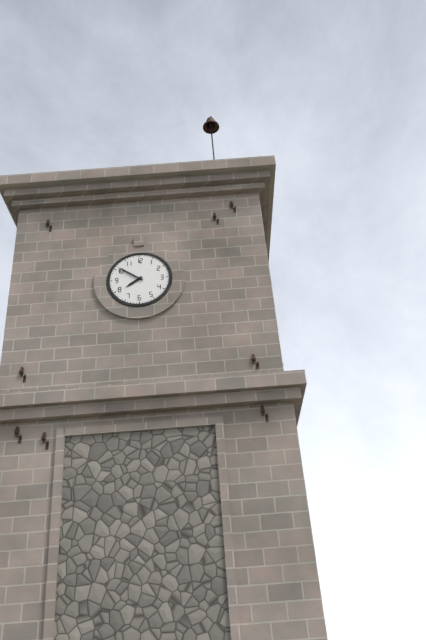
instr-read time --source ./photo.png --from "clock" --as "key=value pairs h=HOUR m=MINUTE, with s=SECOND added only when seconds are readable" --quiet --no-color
h=7 m=51
